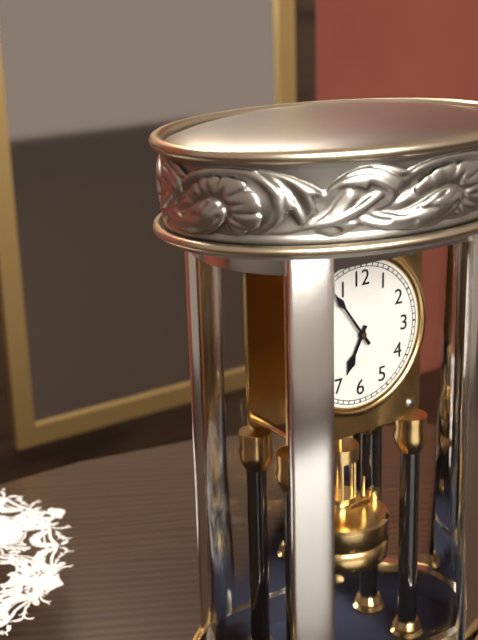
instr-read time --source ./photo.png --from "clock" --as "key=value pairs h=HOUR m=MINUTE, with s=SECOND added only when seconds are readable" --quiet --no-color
h=6 m=54
